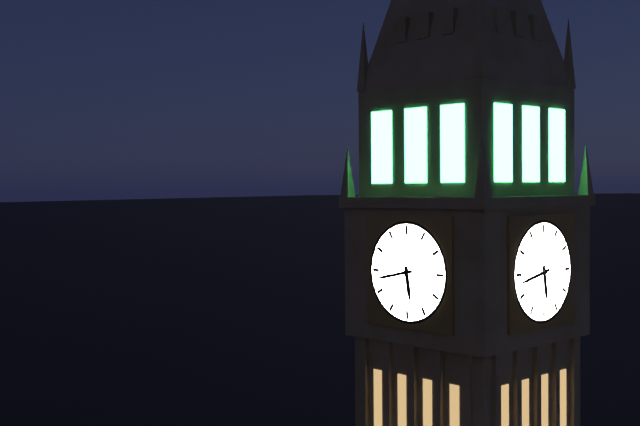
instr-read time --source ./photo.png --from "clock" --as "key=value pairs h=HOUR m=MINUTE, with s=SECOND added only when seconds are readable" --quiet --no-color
h=5 m=43
